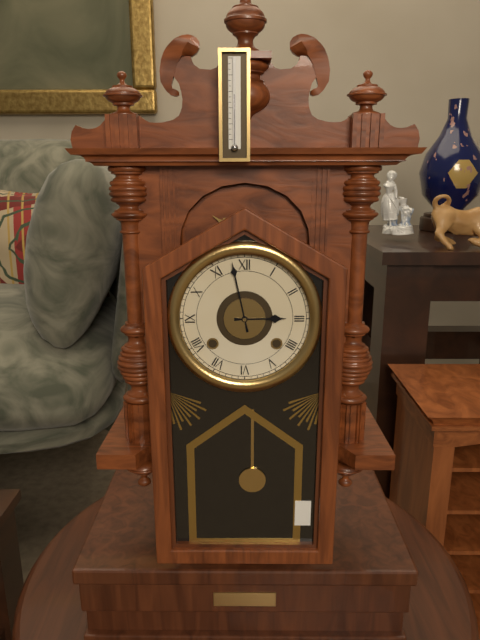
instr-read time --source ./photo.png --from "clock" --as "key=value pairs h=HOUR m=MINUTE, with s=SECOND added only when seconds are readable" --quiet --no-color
h=2 m=58
